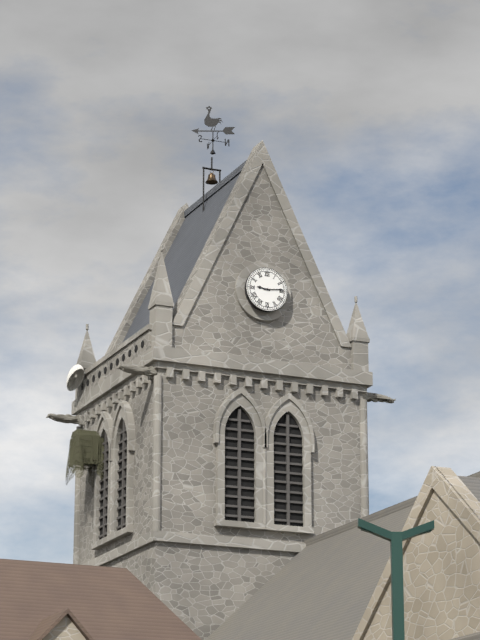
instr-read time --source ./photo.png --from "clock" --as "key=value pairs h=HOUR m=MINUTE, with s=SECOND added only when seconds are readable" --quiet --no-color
h=9 m=14
